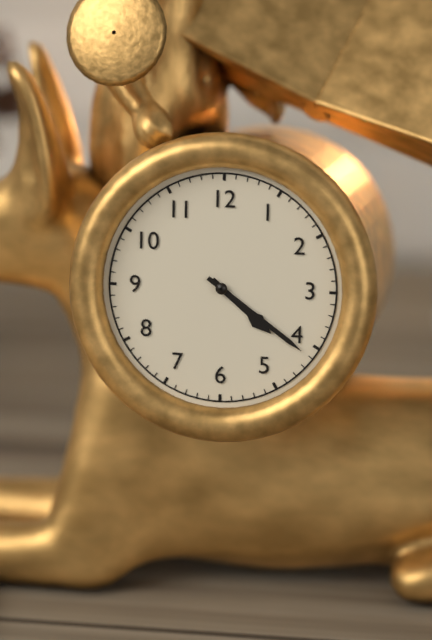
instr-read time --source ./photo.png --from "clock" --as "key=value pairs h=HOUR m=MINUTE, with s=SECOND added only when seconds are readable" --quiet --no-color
h=4 m=21
